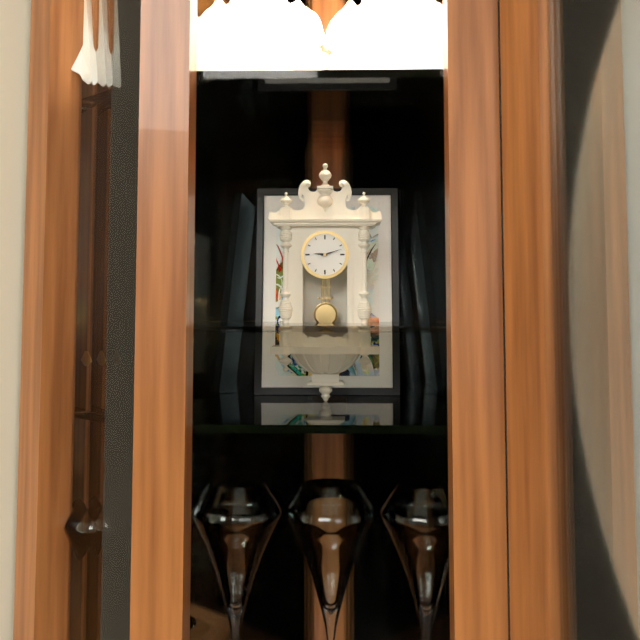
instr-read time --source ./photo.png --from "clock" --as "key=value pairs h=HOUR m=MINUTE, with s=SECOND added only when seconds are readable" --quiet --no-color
h=9 m=12
